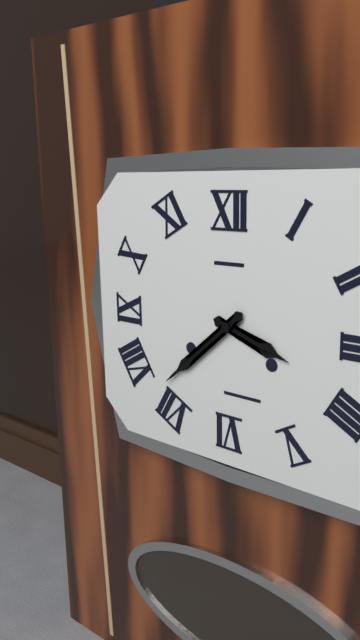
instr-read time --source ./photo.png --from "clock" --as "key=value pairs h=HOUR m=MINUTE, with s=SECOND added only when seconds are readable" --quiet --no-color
h=3 m=38
